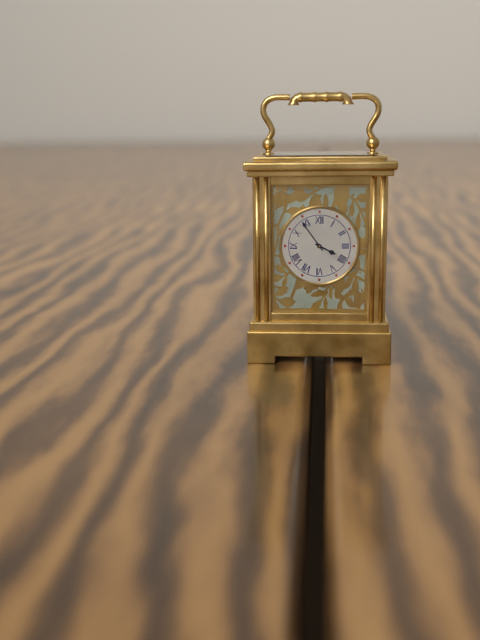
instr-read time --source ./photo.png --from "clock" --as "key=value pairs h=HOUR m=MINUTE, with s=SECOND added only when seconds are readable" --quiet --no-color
h=3 m=54
